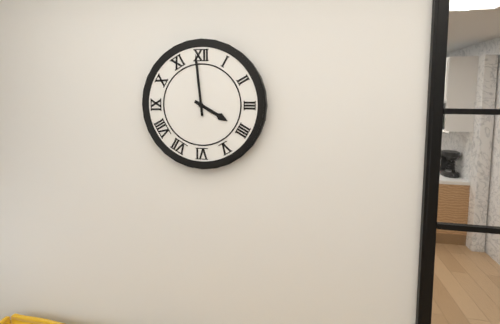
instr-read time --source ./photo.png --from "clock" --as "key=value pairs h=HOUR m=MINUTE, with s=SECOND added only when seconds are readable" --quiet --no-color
h=3 m=59
